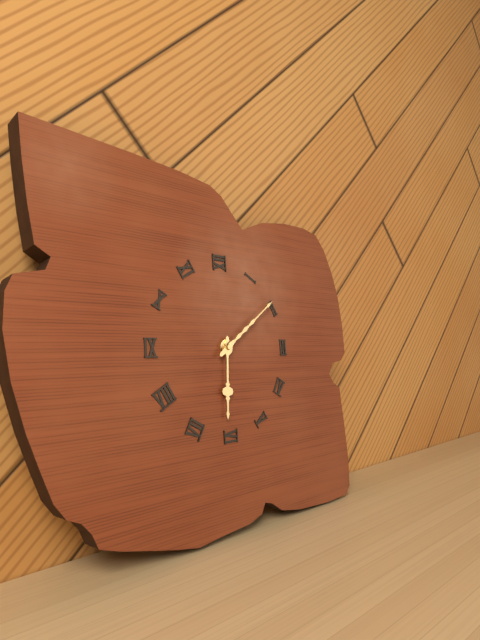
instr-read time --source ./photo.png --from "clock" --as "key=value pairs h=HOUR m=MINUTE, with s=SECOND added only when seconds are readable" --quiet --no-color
h=6 m=9
